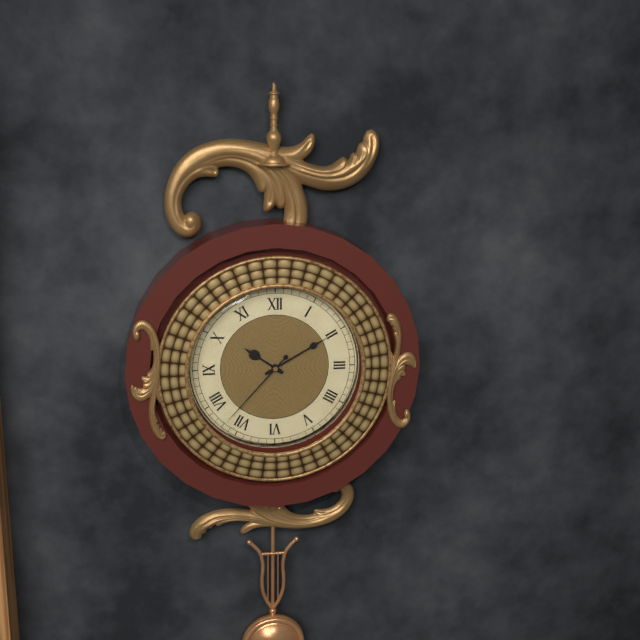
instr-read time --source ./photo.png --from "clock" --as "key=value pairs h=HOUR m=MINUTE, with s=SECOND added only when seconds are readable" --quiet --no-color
h=10 m=10 s=37
